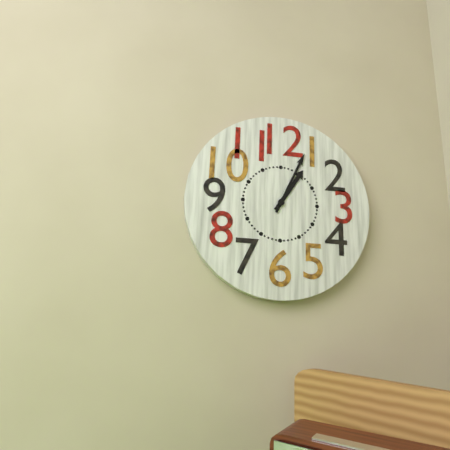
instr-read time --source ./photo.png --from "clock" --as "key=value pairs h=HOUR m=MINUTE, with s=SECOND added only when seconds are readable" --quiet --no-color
h=1 m=4
